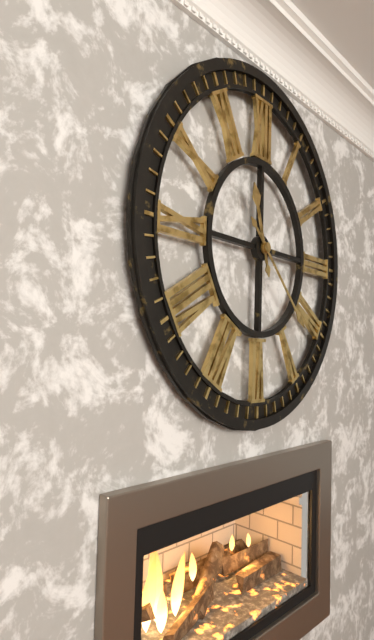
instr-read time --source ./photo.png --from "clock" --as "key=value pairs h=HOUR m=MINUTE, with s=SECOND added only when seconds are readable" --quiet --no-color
h=11 m=22
